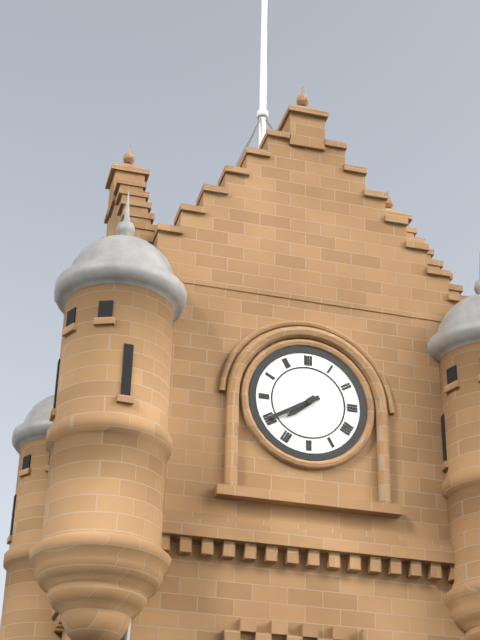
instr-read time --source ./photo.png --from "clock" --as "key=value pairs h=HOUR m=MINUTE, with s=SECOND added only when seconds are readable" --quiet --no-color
h=7 m=40
